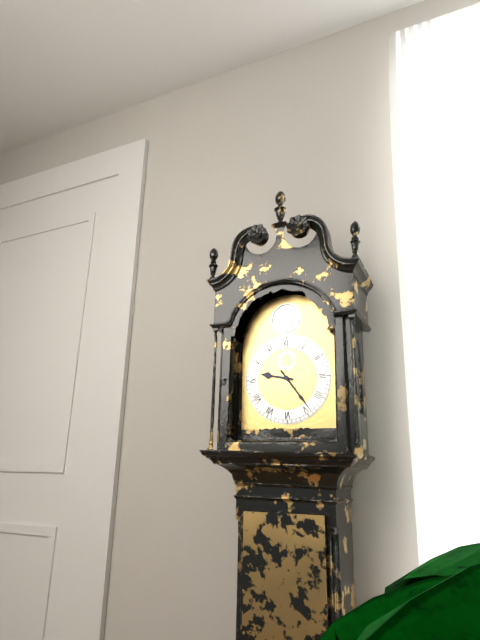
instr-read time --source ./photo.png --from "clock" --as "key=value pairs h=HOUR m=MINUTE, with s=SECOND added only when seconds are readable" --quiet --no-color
h=9 m=24
